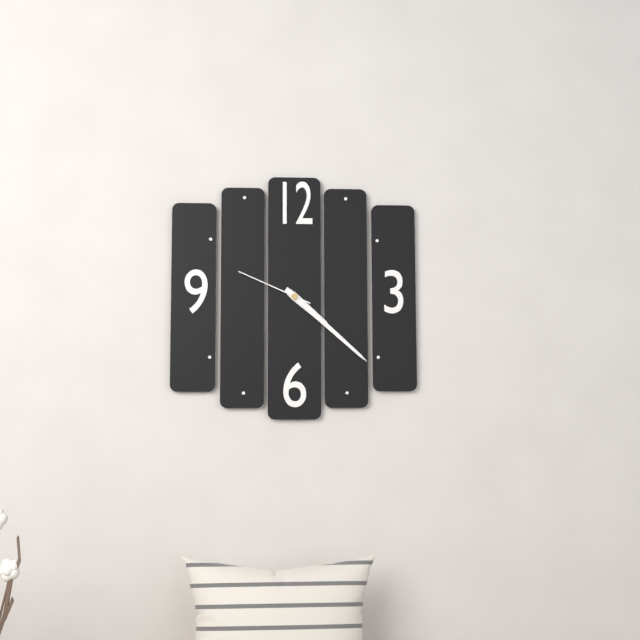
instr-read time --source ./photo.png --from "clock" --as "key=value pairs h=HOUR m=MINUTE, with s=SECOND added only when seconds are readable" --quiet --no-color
h=4 m=22 s=49
